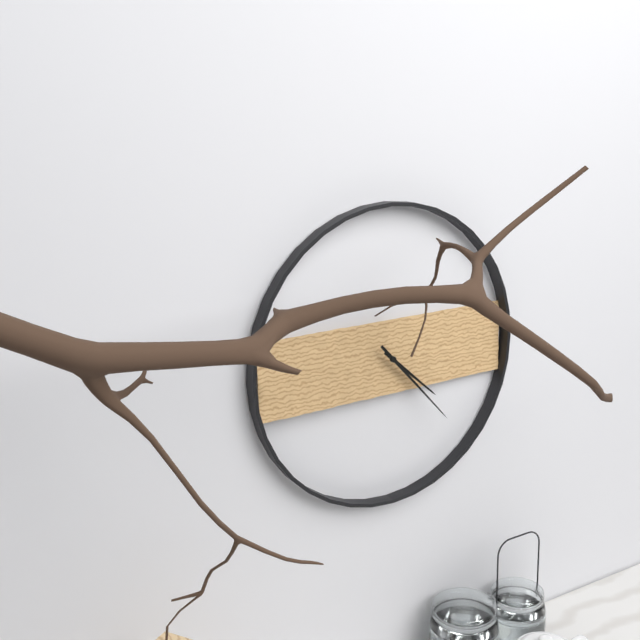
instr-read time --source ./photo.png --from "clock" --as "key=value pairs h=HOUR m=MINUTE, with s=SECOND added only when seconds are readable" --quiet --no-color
h=4 m=23
